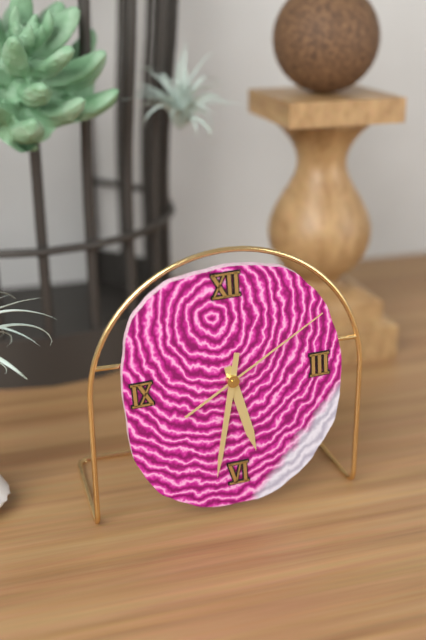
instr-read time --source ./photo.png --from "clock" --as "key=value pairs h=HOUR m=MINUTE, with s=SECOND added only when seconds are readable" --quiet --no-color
h=5 m=32 s=10
